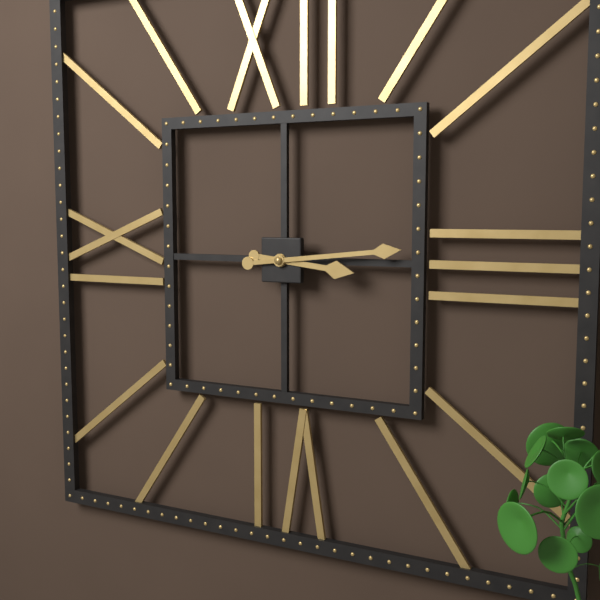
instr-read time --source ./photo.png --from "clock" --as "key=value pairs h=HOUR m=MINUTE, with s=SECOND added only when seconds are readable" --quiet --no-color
h=3 m=14
